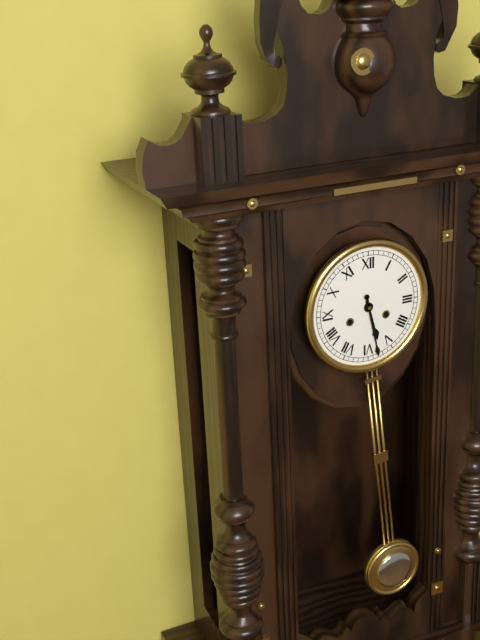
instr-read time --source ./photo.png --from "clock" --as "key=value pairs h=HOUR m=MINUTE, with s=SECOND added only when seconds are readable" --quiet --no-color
h=5 m=28
